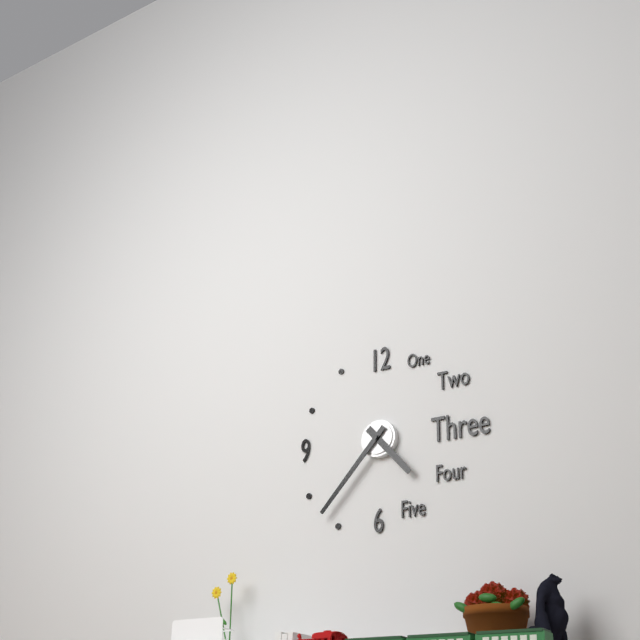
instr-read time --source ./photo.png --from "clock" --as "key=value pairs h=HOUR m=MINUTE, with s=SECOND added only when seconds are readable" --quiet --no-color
h=4 m=37
